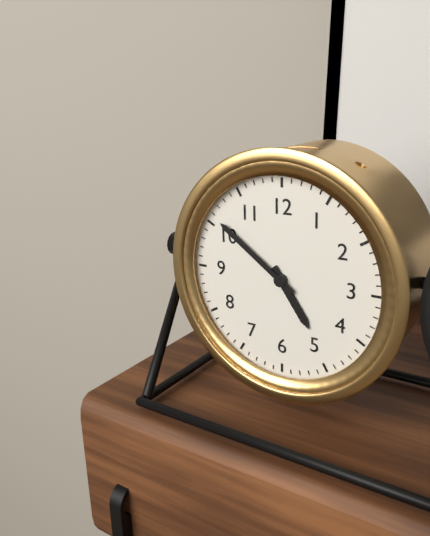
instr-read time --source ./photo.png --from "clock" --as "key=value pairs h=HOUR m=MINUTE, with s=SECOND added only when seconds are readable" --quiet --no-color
h=4 m=51
